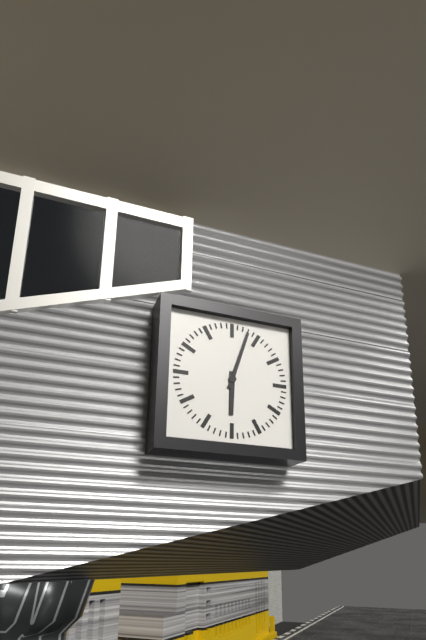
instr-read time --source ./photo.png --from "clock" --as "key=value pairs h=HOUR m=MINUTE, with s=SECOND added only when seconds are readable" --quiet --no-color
h=6 m=3
